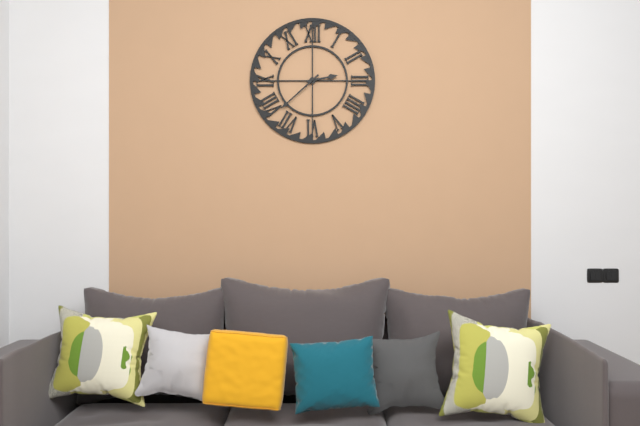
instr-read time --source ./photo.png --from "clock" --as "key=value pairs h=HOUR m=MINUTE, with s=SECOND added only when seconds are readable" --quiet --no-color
h=2 m=38
